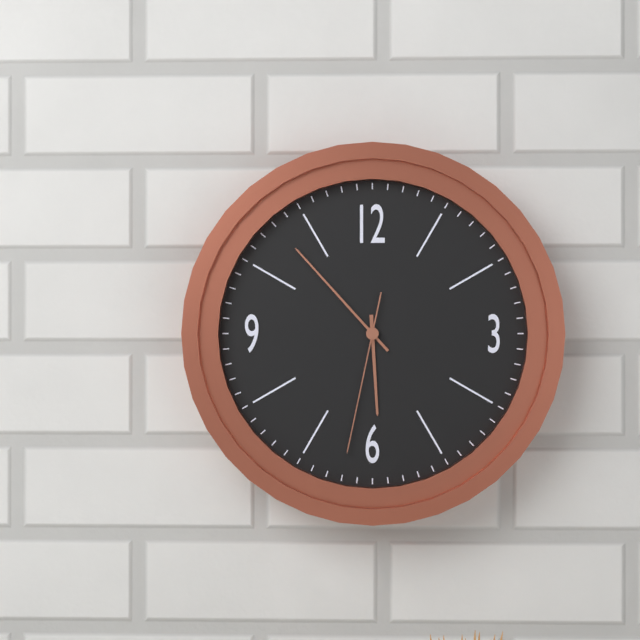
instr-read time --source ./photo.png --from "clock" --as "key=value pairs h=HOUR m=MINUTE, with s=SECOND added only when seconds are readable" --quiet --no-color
h=5 m=53 s=32
